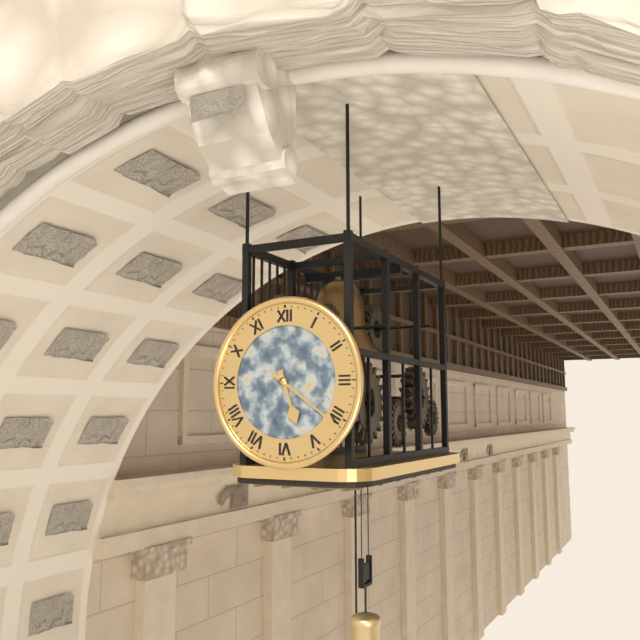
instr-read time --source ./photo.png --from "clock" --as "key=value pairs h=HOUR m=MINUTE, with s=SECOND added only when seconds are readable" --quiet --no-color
h=5 m=21
